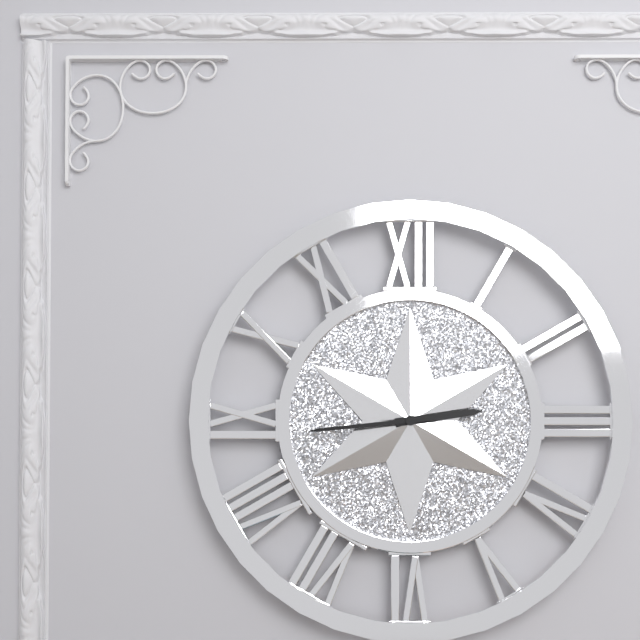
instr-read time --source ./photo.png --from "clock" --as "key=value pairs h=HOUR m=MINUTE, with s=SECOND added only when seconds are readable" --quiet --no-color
h=2 m=44
